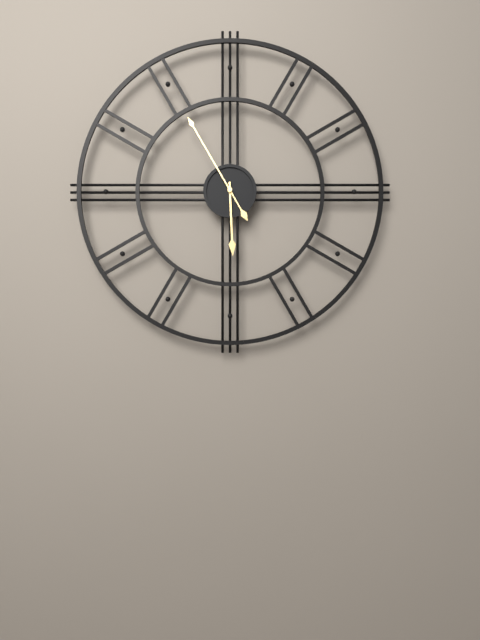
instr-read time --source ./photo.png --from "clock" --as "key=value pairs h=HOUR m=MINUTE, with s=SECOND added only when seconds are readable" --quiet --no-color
h=5 m=55
